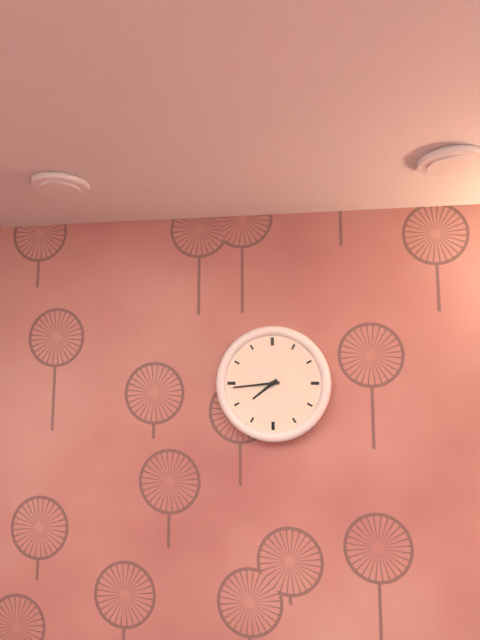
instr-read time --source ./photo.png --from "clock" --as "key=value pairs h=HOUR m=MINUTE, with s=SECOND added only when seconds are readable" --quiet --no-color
h=7 m=44
